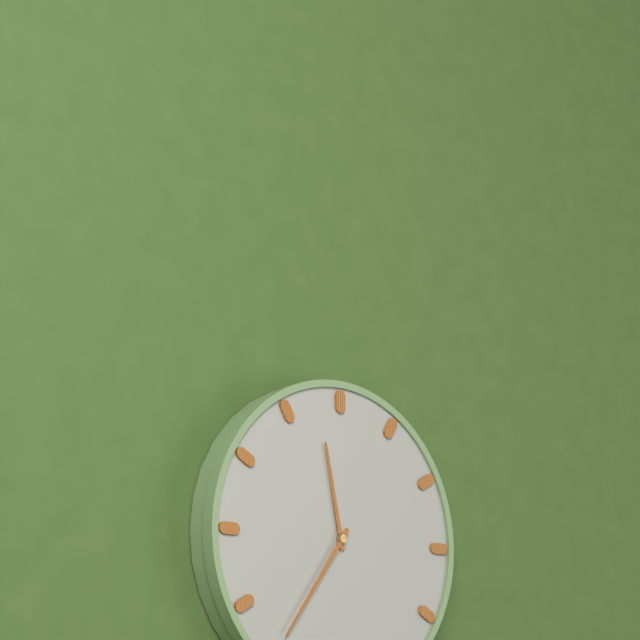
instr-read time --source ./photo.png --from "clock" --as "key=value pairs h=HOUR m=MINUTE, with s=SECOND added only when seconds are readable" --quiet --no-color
h=11 m=36
